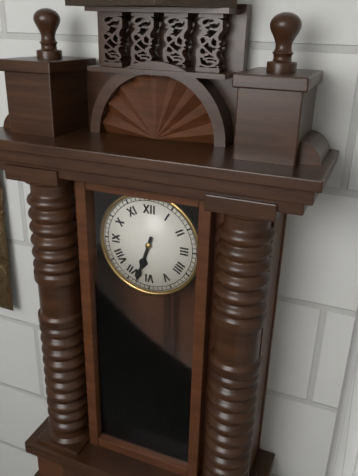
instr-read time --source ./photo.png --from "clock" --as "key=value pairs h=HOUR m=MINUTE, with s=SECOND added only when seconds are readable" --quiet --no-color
h=6 m=33
